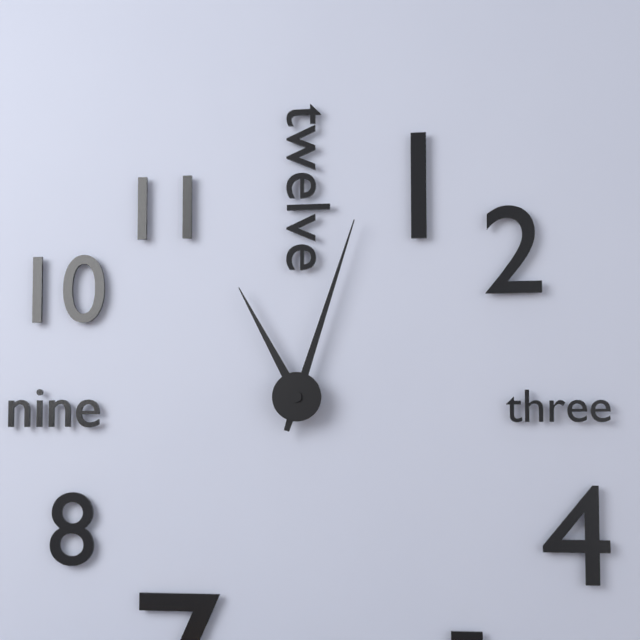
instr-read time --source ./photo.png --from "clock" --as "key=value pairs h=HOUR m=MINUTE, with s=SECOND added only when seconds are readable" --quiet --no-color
h=11 m=3
